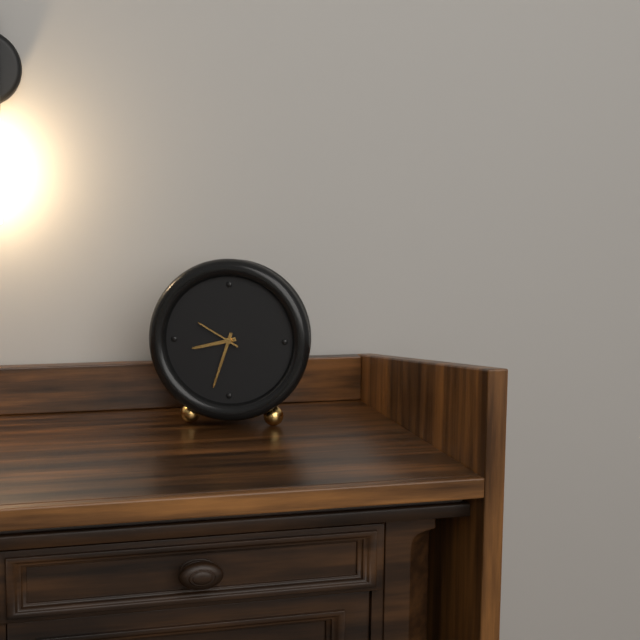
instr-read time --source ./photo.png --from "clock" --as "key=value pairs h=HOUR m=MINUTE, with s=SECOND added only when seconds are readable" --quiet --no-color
h=8 m=33
